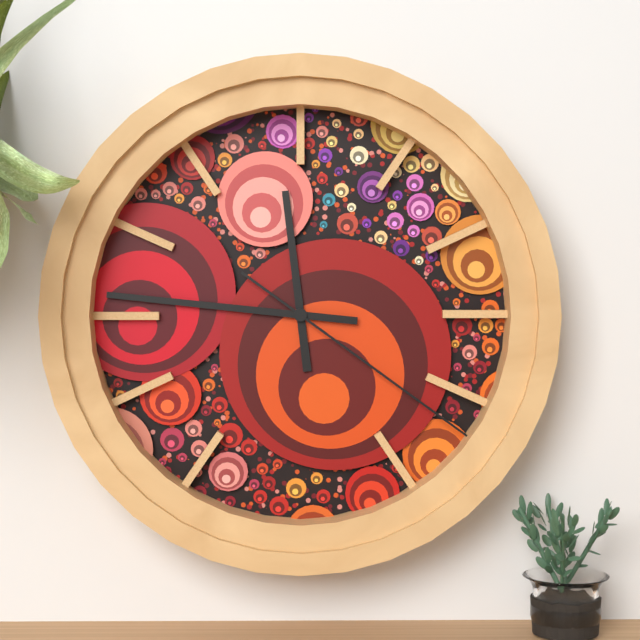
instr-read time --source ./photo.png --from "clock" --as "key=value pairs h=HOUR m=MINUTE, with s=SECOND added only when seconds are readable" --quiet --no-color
h=11 m=46 s=21
